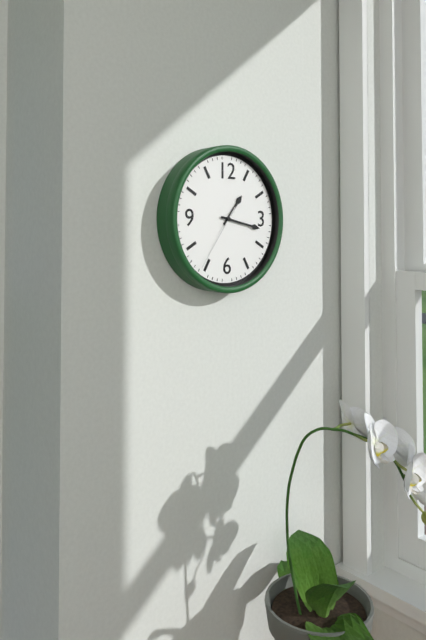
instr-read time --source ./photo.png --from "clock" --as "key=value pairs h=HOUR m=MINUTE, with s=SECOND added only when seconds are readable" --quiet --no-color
h=1 m=17 s=36
